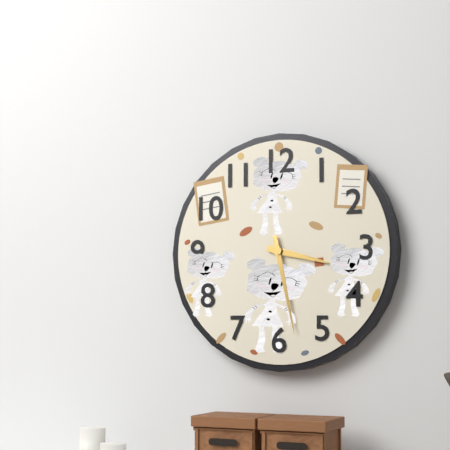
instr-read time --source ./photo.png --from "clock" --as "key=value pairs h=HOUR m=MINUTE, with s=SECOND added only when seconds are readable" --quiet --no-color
h=3 m=28
